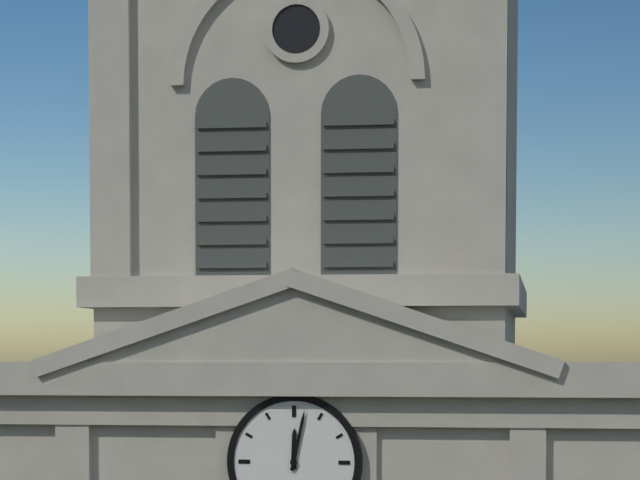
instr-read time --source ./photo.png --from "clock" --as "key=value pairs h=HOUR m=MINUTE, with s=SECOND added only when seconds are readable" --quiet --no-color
h=12 m=2
